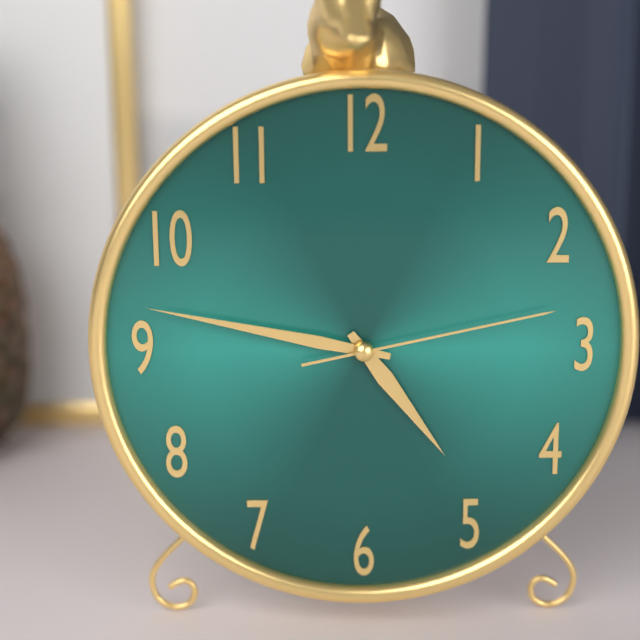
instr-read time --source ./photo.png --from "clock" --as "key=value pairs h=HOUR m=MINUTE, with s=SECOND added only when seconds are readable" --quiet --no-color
h=4 m=47 s=13
